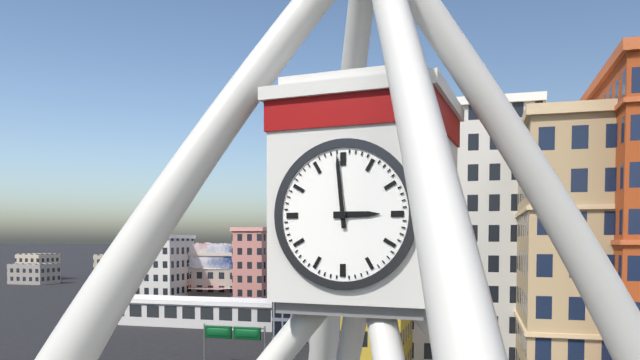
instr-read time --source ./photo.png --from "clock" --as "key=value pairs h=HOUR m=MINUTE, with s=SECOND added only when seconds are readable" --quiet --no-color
h=2 m=59
